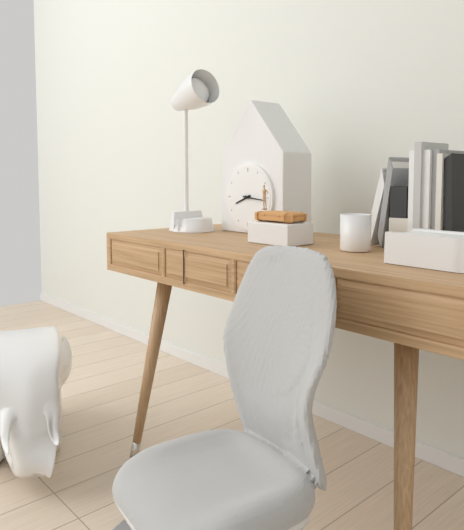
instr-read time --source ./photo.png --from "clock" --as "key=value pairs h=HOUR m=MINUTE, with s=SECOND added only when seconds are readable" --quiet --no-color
h=8 m=16
